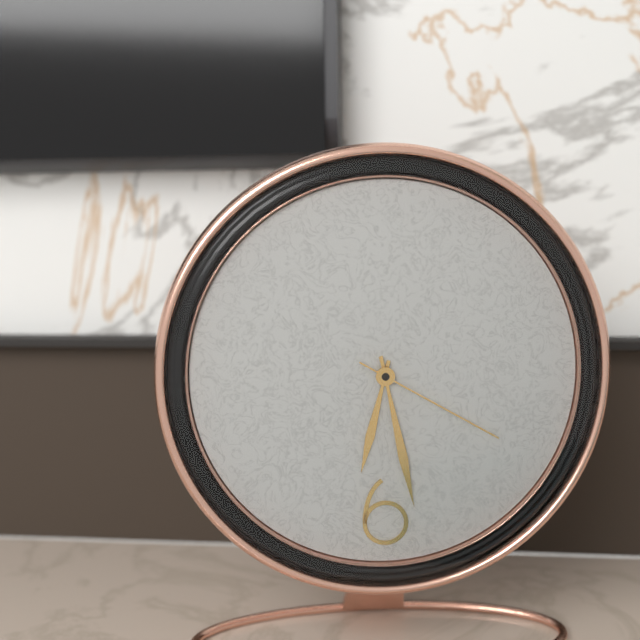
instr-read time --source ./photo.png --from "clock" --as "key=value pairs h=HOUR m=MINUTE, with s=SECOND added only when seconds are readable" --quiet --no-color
h=6 m=28 s=20
